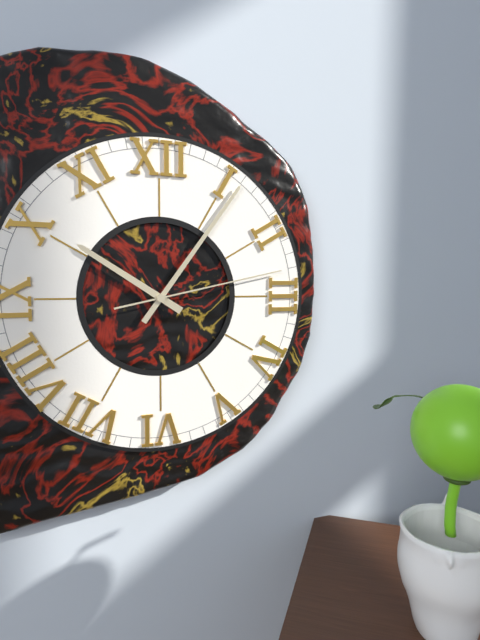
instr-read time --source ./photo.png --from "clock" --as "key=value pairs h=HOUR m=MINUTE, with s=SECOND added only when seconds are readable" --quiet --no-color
h=10 m=6 s=13
